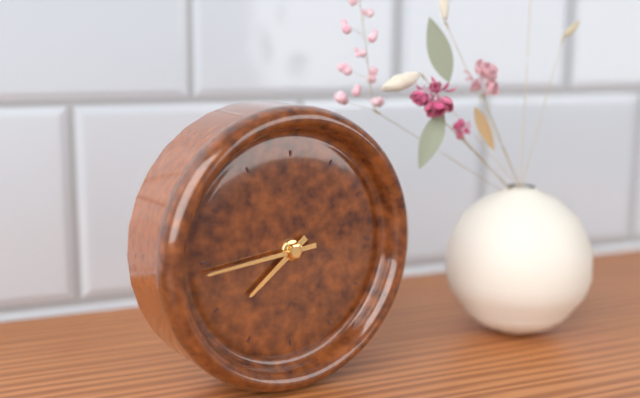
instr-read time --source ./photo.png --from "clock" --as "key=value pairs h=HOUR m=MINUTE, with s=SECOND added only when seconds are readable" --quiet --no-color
h=7 m=44
